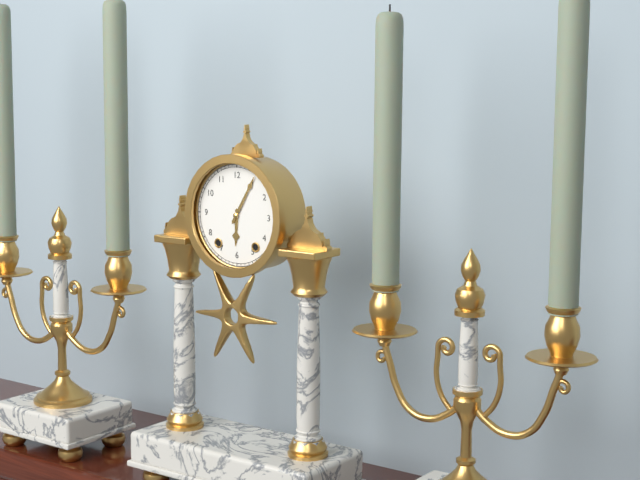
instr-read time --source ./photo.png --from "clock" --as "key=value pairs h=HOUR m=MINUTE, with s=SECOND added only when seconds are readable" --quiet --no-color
h=6 m=5
